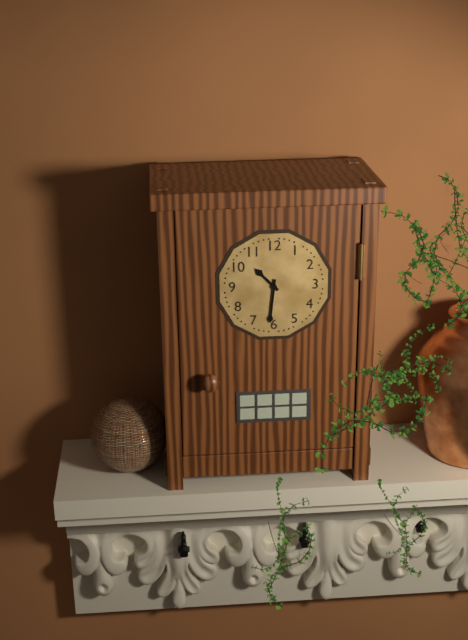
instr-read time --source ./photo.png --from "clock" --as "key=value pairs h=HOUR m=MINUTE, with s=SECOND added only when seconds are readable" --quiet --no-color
h=10 m=31
